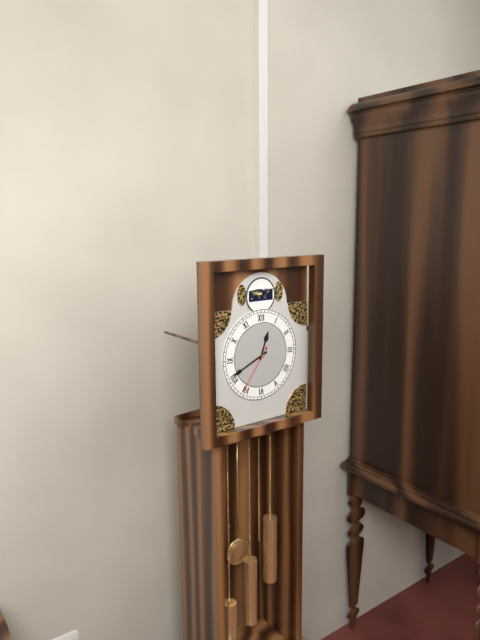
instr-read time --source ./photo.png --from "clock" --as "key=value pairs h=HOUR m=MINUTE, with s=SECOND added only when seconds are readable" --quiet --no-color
h=12 m=41 s=36
